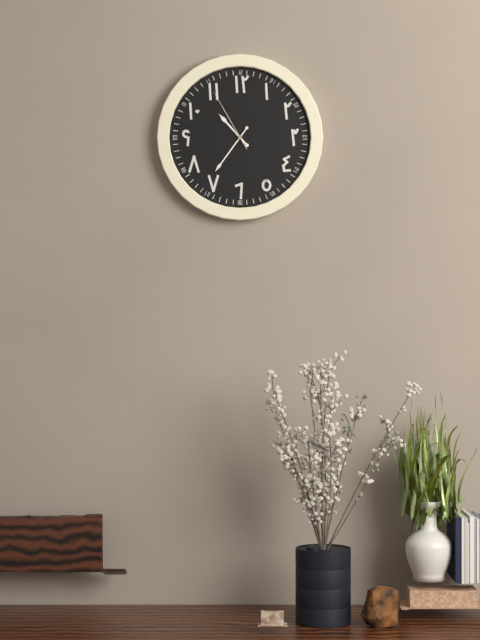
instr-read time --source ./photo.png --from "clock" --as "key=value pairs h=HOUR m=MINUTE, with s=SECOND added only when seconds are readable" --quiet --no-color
h=10 m=36 s=55
